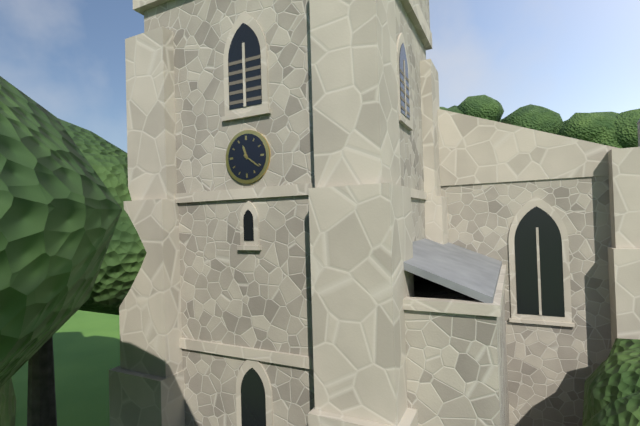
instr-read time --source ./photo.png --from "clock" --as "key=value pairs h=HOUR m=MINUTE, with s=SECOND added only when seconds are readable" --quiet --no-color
h=11 m=21
